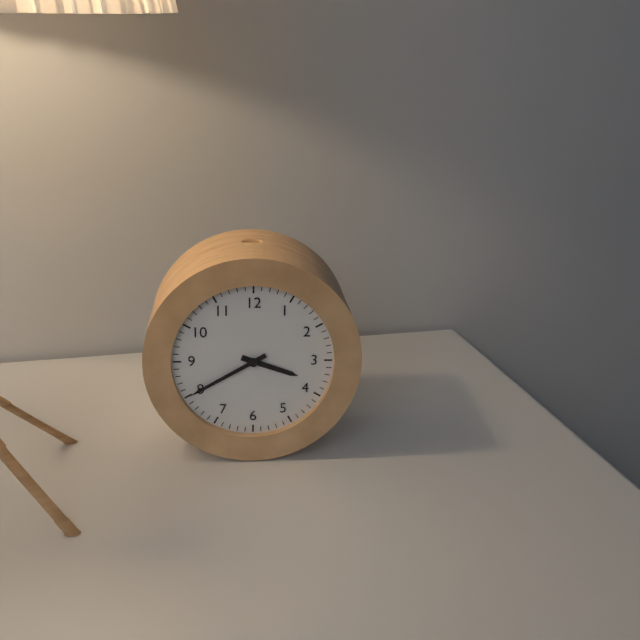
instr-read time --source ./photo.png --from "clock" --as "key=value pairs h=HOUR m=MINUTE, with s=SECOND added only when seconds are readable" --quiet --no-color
h=3 m=40
